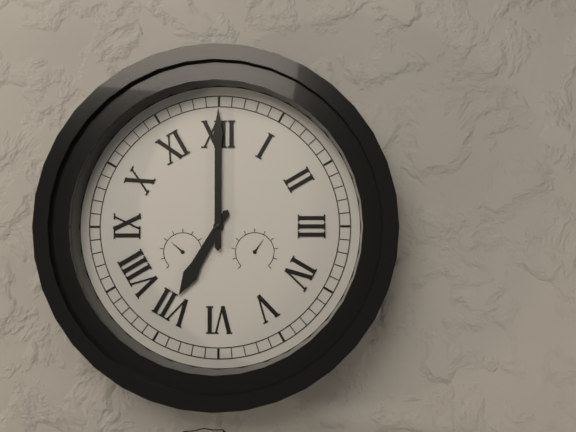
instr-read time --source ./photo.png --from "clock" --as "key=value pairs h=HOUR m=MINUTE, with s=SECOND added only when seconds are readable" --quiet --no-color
h=7 m=0
